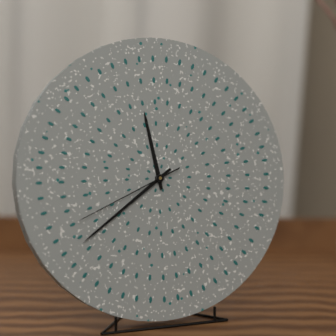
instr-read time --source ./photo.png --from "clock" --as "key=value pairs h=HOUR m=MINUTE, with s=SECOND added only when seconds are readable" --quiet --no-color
h=11 m=39 s=41
